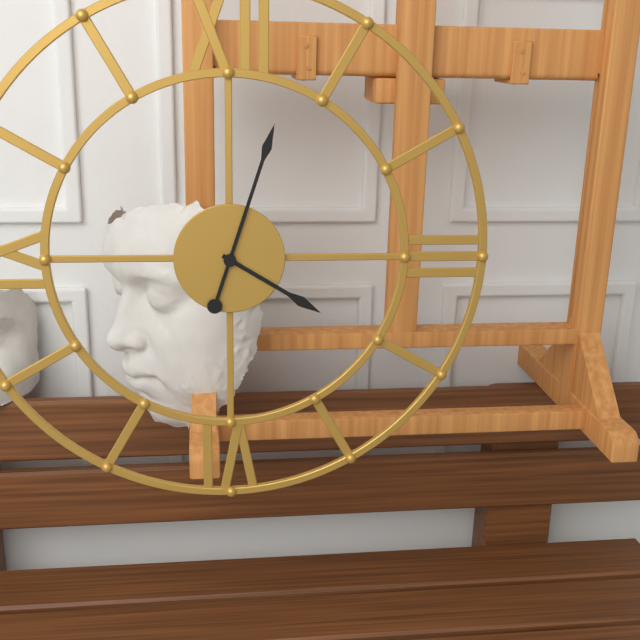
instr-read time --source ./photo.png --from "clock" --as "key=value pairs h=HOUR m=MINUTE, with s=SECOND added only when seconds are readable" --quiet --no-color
h=4 m=3
